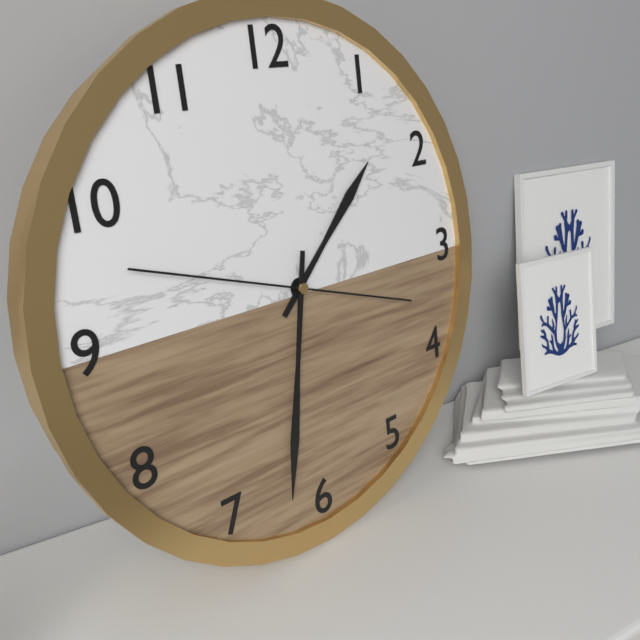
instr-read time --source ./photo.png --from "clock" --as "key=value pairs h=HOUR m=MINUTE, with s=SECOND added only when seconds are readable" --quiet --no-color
h=1 m=32 s=48
